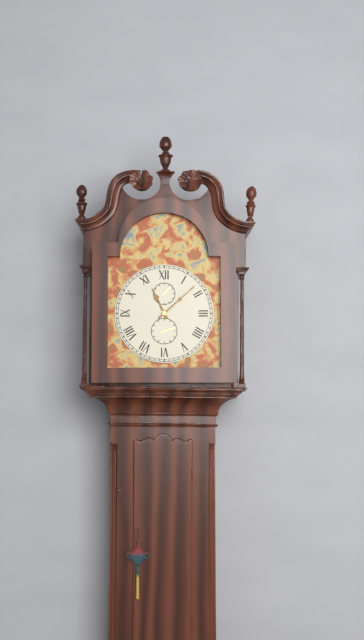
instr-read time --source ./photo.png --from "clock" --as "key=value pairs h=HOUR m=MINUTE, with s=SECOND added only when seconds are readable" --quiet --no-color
h=11 m=8
